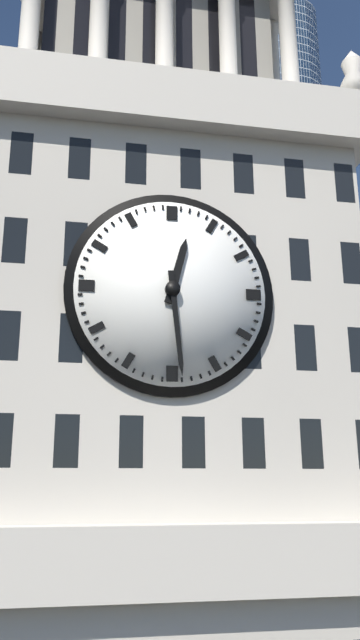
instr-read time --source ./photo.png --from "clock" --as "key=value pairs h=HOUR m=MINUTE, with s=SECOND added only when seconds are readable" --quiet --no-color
h=12 m=29
